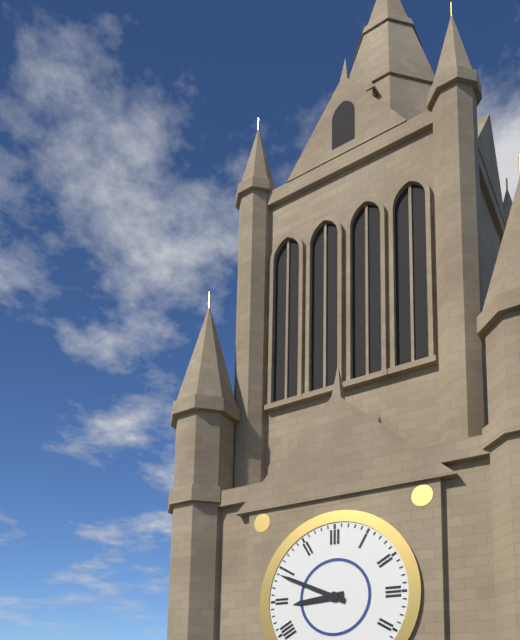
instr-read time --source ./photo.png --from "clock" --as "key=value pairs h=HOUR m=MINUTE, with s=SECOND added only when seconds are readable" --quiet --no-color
h=8 m=49
